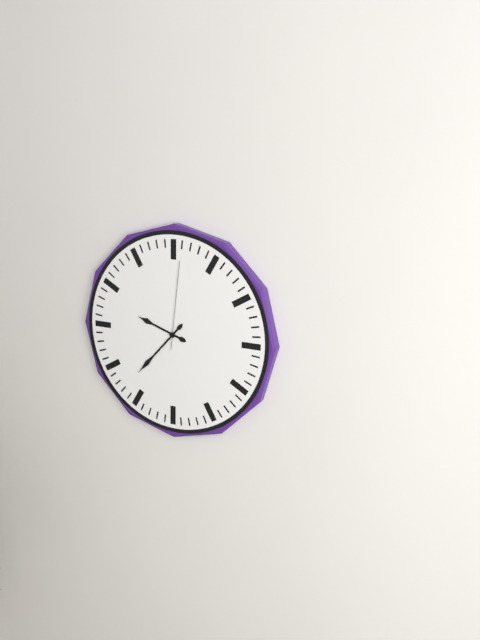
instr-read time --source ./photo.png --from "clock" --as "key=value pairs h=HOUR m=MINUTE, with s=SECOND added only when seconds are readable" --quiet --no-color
h=9 m=37 s=1
